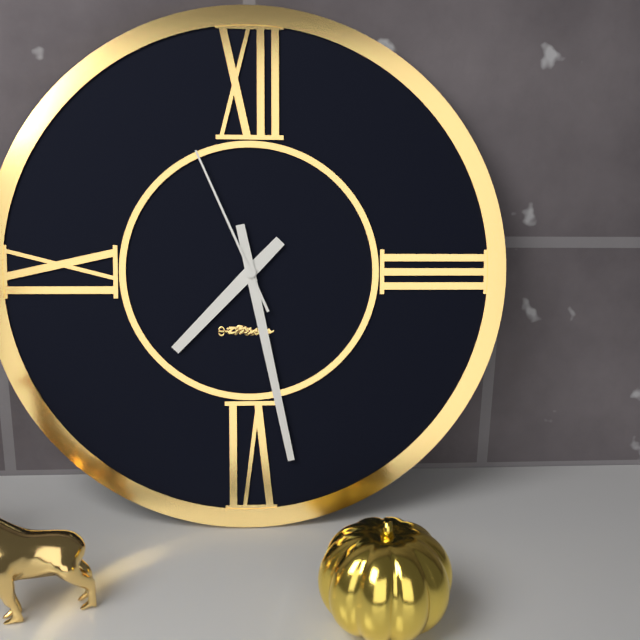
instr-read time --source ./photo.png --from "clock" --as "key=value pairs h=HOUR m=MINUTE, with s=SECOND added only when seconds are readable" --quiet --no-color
h=7 m=28 s=56
